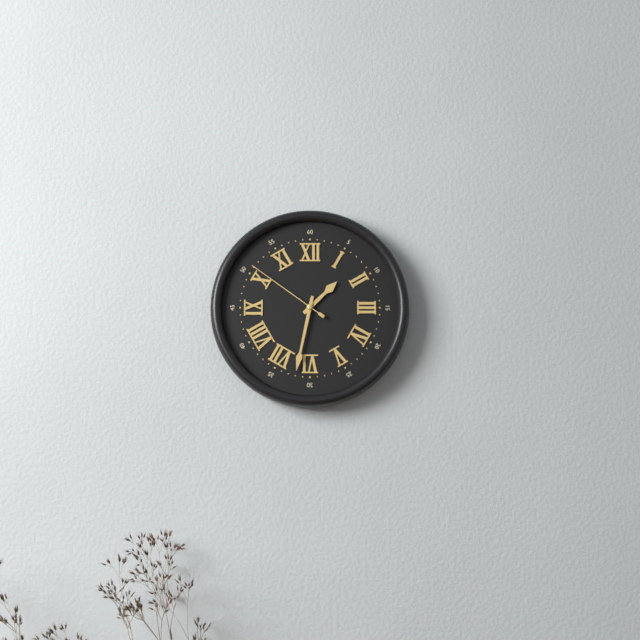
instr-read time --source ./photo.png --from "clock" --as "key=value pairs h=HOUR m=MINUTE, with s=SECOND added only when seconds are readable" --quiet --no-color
h=1 m=32 s=51
